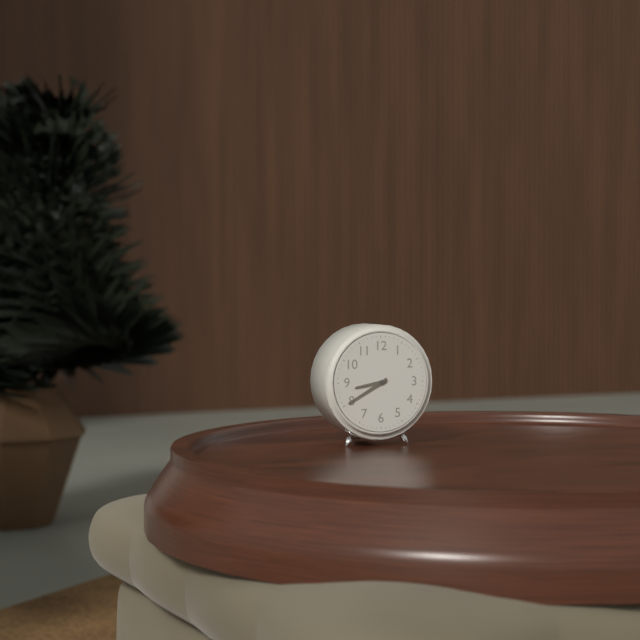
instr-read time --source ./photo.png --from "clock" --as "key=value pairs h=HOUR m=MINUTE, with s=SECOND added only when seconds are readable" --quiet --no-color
h=8 m=40
